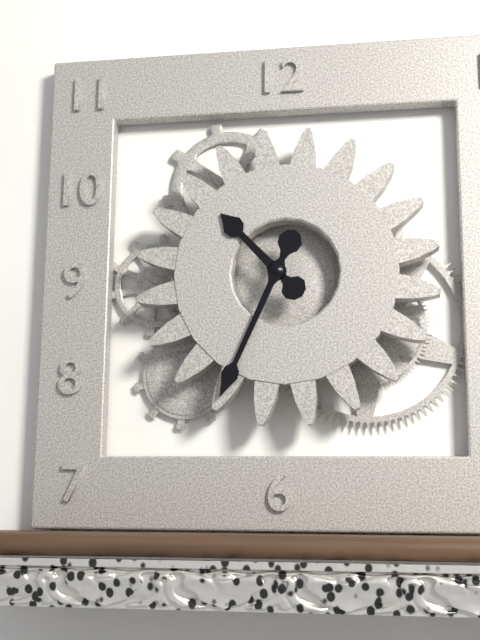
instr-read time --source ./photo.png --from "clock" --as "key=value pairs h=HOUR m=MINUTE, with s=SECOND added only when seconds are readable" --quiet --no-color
h=10 m=34
